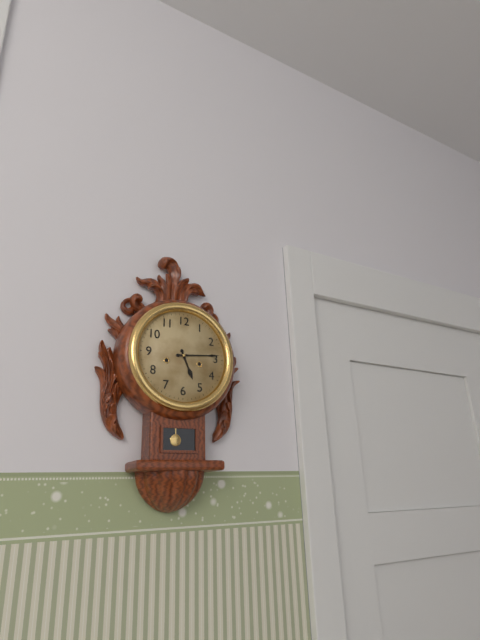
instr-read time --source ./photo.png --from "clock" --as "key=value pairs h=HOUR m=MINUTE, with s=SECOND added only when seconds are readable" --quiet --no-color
h=5 m=14
